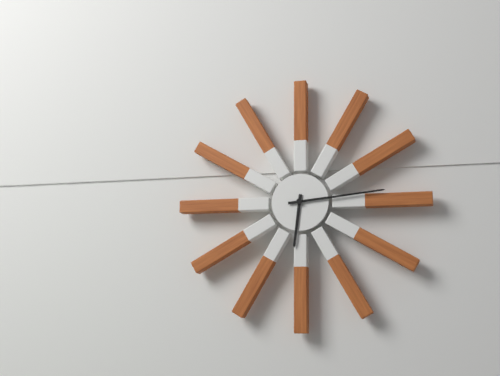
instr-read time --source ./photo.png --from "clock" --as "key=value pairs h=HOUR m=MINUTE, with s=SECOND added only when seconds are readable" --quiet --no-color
h=6 m=14
